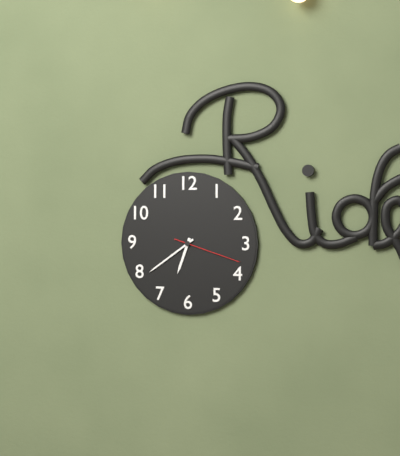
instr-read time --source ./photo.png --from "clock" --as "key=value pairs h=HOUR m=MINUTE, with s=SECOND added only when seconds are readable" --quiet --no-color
h=6 m=39 s=18
